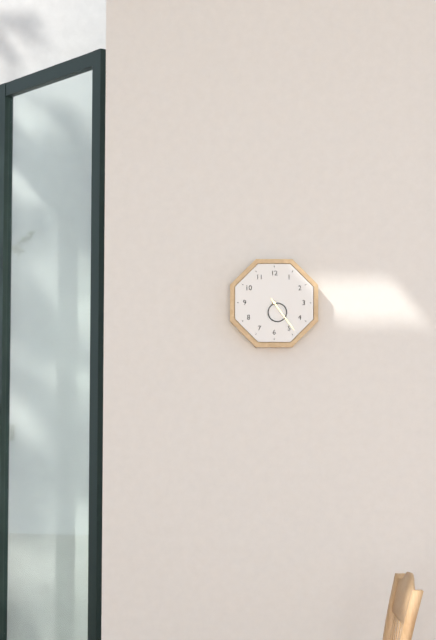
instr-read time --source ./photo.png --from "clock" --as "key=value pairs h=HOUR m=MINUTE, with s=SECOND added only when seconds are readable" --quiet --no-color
h=5 m=24
